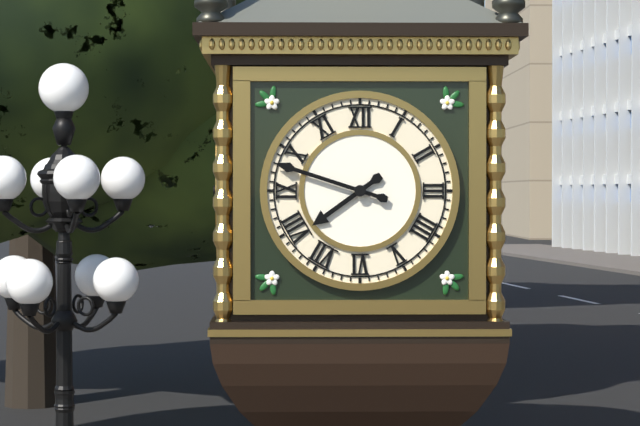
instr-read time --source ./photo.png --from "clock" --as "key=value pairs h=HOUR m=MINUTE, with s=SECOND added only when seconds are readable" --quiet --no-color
h=7 m=48
